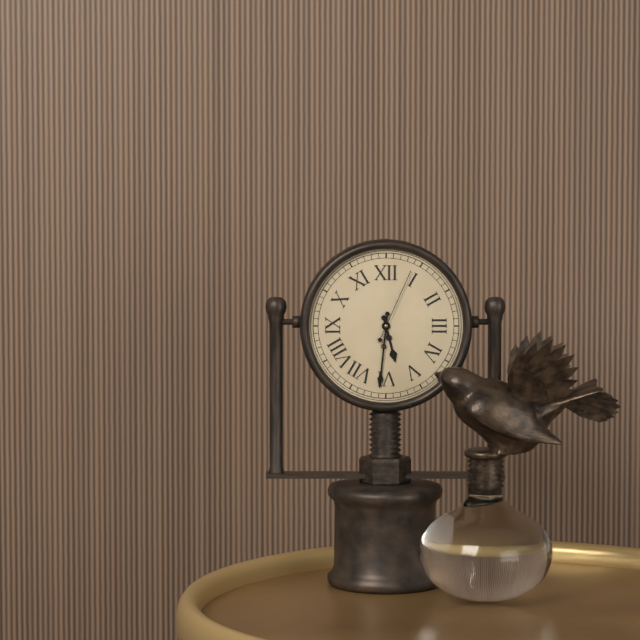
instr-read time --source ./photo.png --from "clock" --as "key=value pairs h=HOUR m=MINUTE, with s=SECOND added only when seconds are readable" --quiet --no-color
h=5 m=31 s=4
